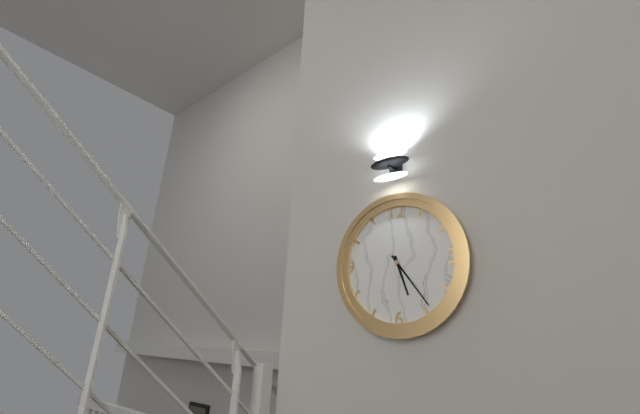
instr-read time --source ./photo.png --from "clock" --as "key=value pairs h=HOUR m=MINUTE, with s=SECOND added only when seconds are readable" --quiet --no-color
h=5 m=24
